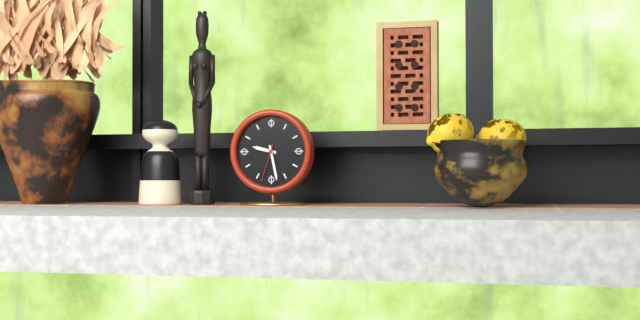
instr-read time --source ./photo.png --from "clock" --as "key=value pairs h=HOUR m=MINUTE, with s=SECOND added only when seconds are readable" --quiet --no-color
h=9 m=28
